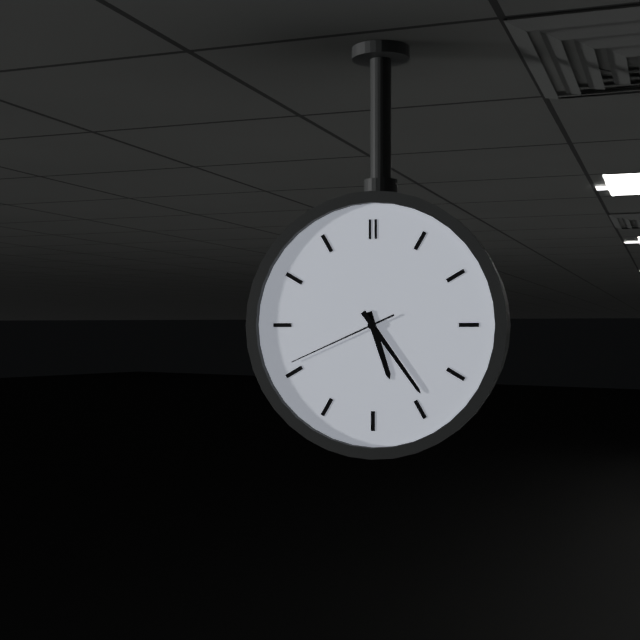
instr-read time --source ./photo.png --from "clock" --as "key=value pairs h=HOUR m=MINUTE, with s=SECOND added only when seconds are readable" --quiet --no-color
h=5 m=24 s=41
